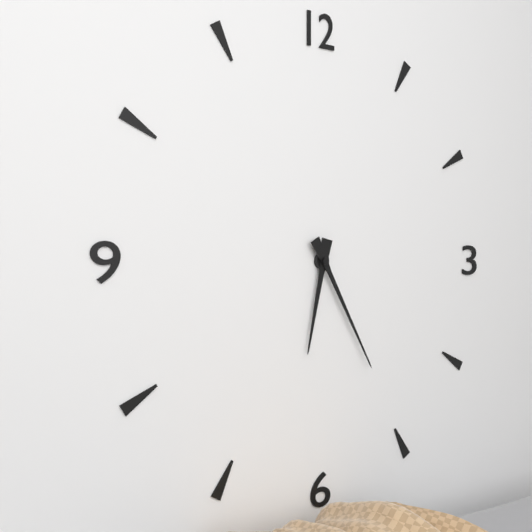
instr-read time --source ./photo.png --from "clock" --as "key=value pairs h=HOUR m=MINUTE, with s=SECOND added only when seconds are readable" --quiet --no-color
h=6 m=25
